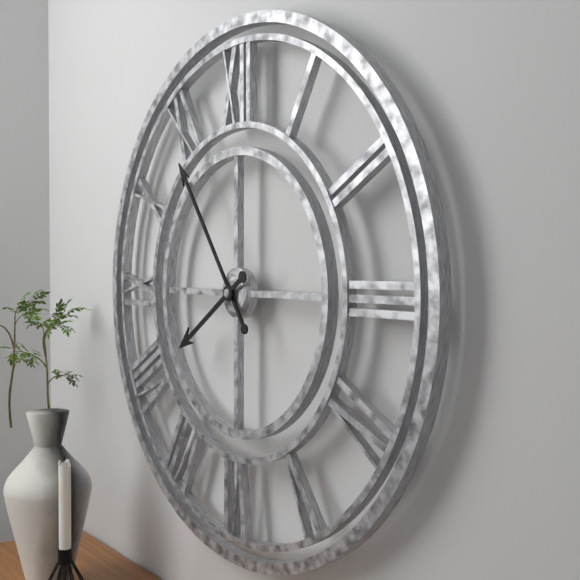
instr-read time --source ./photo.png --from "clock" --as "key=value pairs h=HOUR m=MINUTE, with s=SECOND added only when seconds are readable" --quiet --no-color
h=7 m=54
